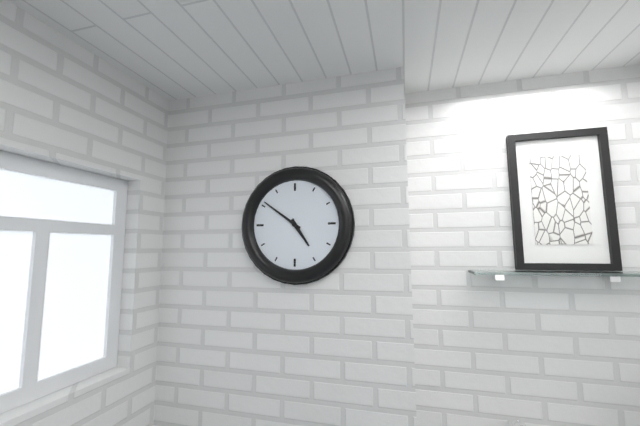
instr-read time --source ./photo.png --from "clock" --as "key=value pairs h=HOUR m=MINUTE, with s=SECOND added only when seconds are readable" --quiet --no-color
h=4 m=51
